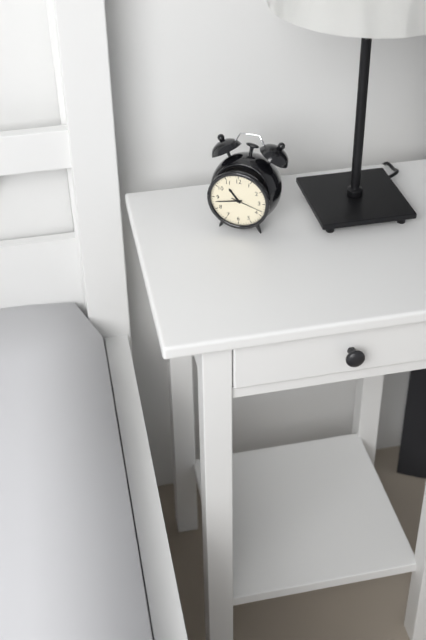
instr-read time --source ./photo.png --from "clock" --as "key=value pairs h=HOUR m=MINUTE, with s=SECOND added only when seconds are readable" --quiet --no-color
h=10 m=43
